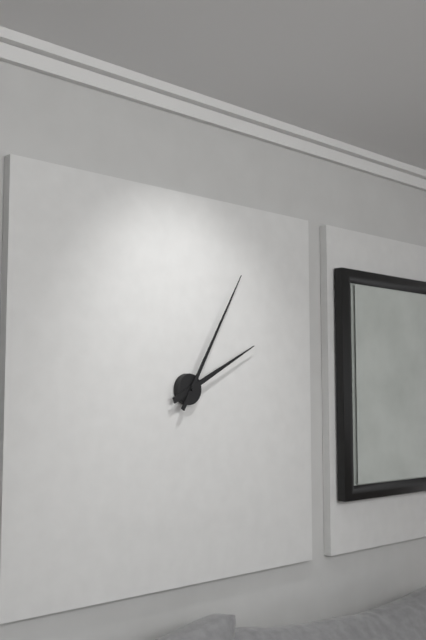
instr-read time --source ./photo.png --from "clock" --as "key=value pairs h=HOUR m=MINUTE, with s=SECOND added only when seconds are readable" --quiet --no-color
h=2 m=5
